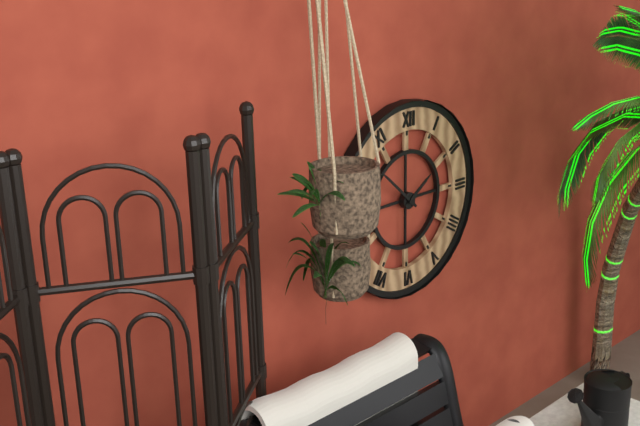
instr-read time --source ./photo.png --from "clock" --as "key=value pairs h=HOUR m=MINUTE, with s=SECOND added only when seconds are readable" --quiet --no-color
h=1 m=52
